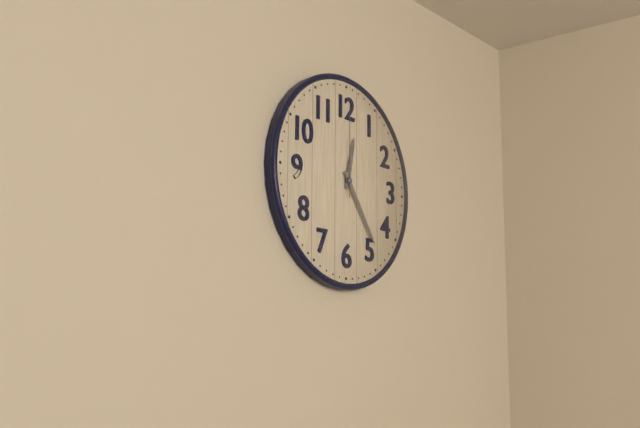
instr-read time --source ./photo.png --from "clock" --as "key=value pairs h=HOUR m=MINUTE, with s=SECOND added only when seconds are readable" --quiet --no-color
h=12 m=24 s=0
